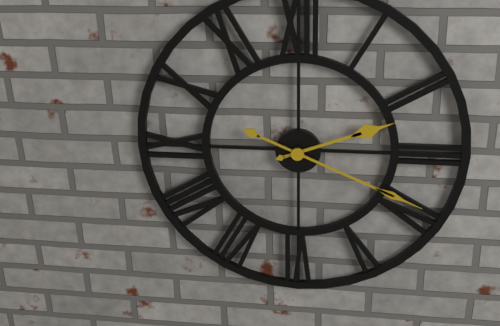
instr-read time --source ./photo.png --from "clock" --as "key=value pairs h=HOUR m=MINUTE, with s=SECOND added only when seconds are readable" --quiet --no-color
h=2 m=19
